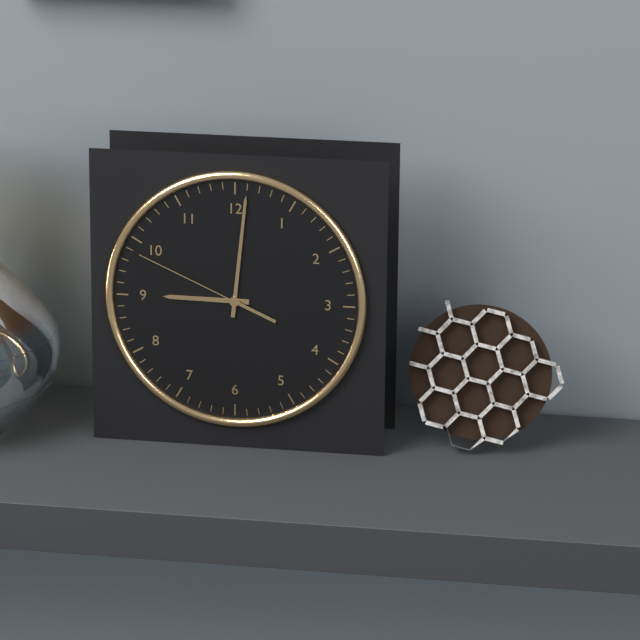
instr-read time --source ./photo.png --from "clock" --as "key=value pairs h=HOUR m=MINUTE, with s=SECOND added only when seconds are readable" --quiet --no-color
h=9 m=1 s=49
